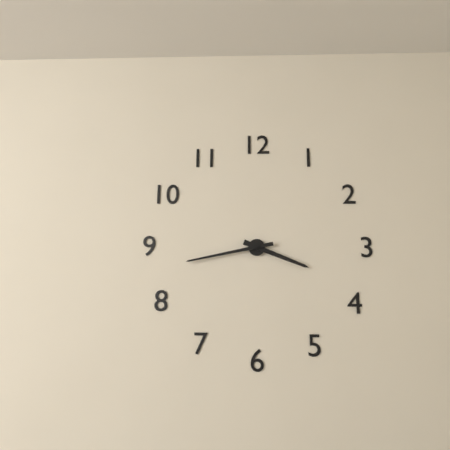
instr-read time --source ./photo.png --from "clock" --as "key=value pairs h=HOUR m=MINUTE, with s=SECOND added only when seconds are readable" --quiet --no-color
h=3 m=43
